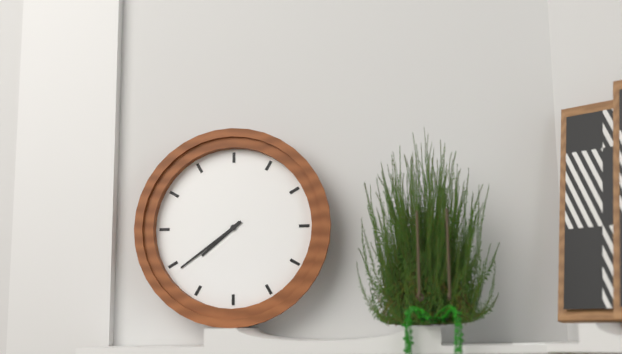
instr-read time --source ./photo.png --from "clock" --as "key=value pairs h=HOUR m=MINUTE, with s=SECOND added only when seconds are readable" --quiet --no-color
h=7 m=39
